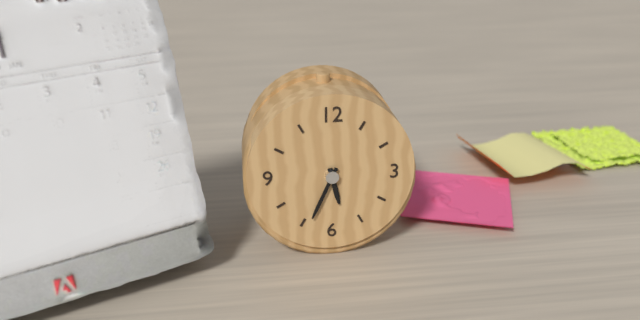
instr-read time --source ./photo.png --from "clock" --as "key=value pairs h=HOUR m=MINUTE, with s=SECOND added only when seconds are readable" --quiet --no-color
h=5 m=34
